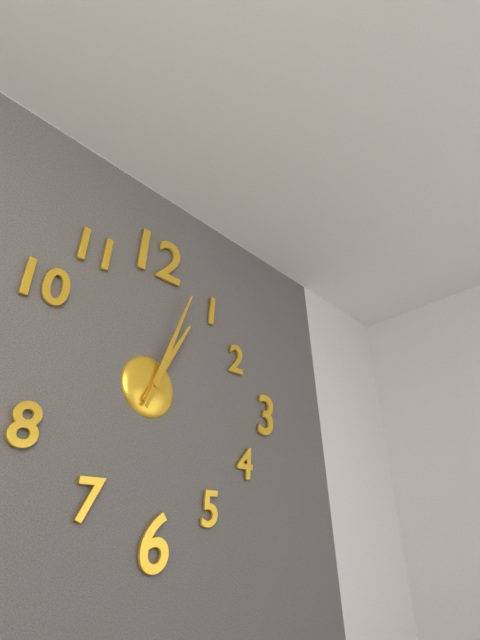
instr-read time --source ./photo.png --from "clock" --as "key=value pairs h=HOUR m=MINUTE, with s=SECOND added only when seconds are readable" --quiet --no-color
h=1 m=4
